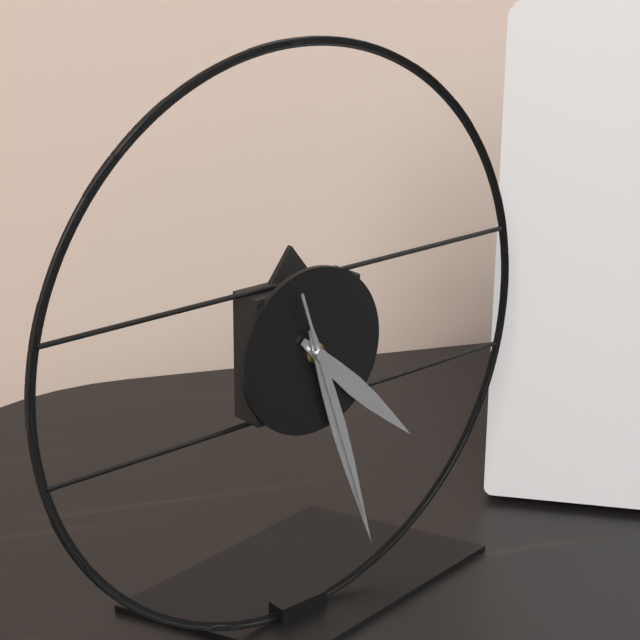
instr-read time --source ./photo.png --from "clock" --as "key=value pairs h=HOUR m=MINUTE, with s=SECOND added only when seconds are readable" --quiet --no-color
h=4 m=27 s=27
